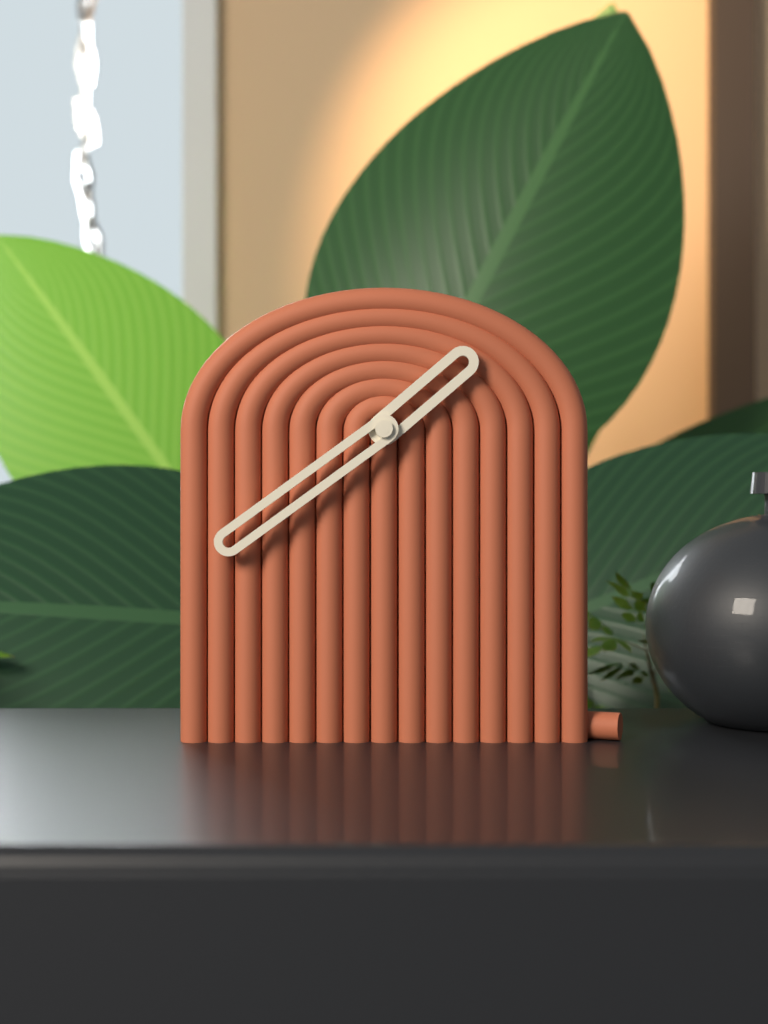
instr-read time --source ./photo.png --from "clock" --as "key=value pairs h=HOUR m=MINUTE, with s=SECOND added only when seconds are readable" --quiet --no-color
h=1 m=39
